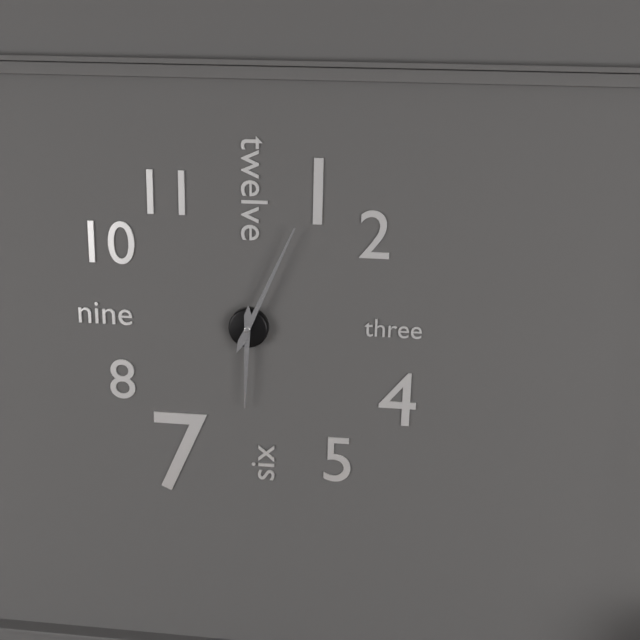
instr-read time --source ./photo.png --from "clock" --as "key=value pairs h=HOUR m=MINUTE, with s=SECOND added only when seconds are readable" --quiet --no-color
h=6 m=4
